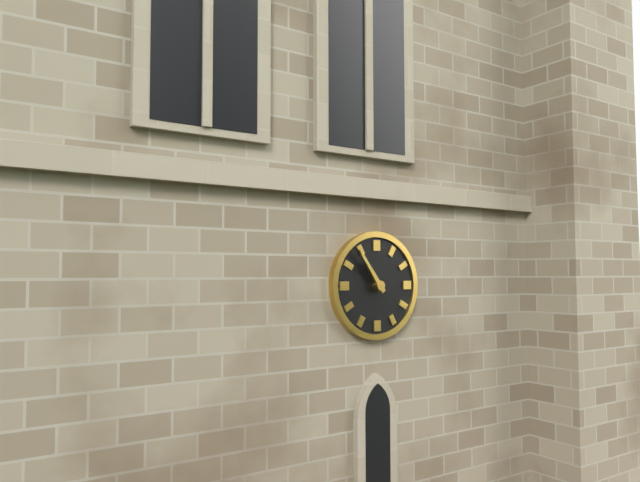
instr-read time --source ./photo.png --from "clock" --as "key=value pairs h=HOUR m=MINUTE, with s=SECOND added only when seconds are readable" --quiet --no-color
h=10 m=54
